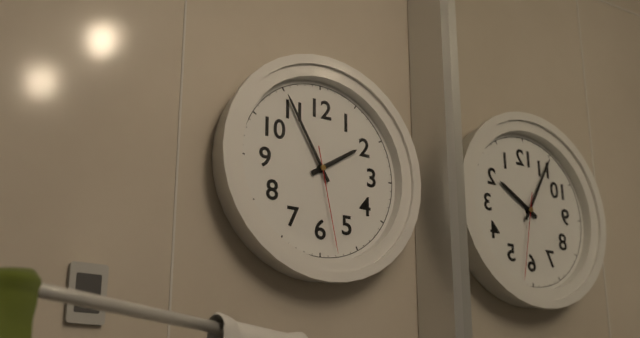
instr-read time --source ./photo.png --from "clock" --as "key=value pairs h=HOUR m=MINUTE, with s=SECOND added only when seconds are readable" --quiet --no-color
h=1 m=55 s=28
